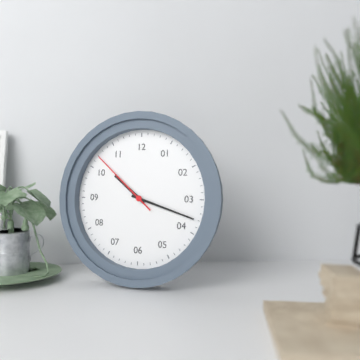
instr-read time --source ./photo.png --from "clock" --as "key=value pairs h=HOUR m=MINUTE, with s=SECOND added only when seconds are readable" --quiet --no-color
h=10 m=18 s=52
